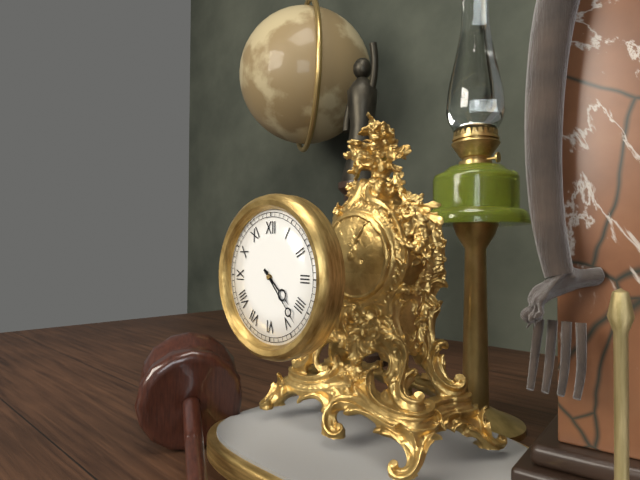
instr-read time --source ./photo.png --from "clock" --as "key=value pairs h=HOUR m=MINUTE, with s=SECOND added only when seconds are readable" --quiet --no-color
h=4 m=23
